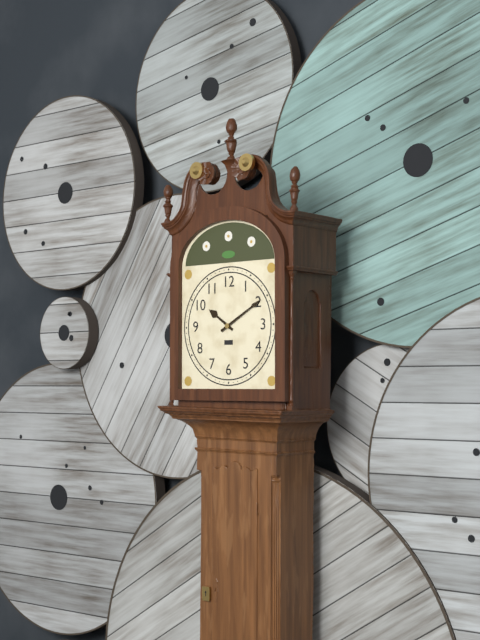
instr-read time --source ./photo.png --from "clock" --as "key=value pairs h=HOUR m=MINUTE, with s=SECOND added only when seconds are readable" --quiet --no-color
h=10 m=10
